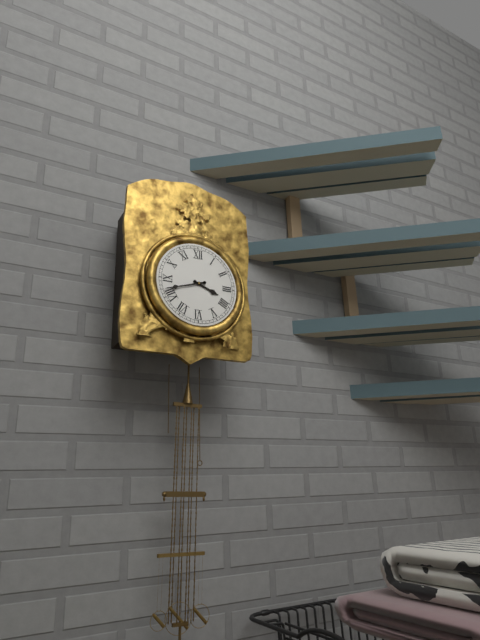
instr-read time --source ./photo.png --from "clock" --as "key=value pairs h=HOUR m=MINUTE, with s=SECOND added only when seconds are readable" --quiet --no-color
h=3 m=42
